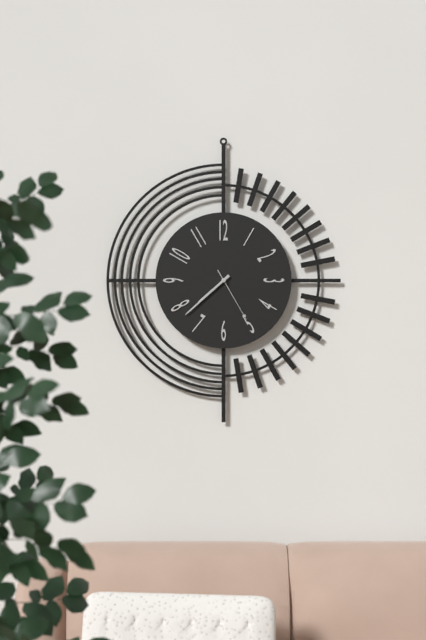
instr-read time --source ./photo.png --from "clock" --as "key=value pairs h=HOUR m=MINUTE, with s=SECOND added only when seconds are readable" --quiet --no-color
h=7 m=38 s=25
